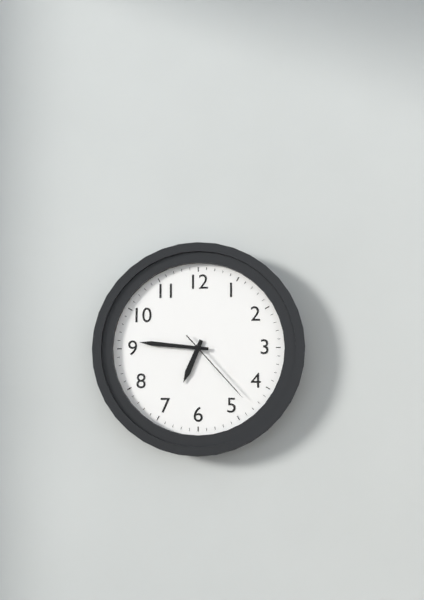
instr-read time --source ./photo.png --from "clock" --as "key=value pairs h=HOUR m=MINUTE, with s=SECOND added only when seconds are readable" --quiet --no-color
h=6 m=46 s=23
